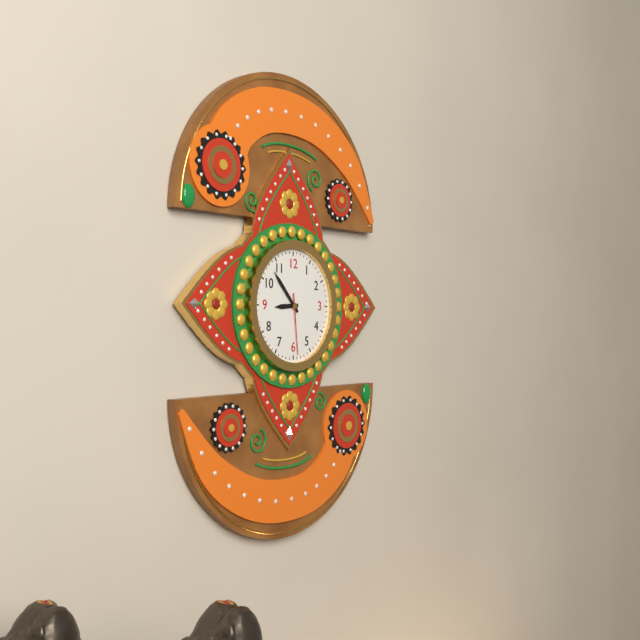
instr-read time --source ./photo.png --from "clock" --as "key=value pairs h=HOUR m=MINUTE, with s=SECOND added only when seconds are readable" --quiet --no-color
h=8 m=53 s=29
